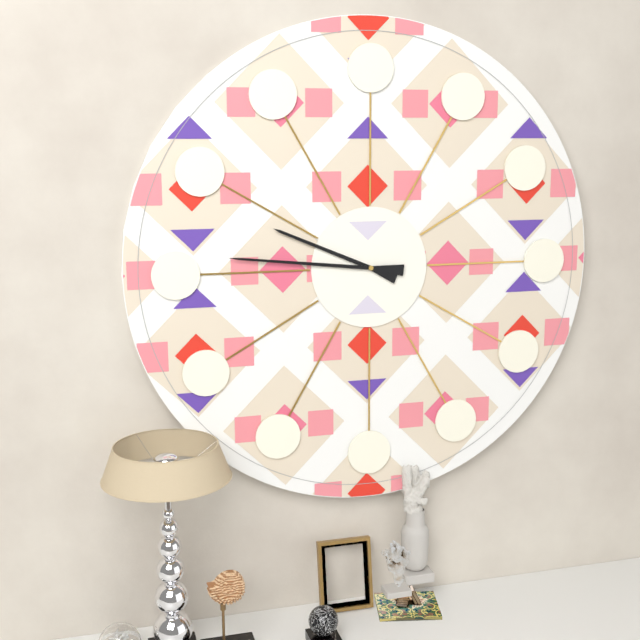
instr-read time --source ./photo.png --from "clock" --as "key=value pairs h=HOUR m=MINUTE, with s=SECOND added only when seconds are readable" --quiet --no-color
h=9 m=46
